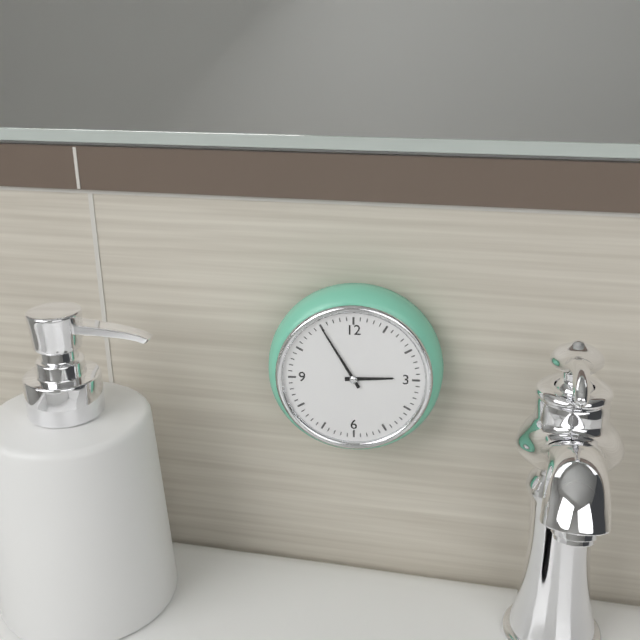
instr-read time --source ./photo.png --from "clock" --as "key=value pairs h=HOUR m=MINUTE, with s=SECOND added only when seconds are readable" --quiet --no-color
h=2 m=55
